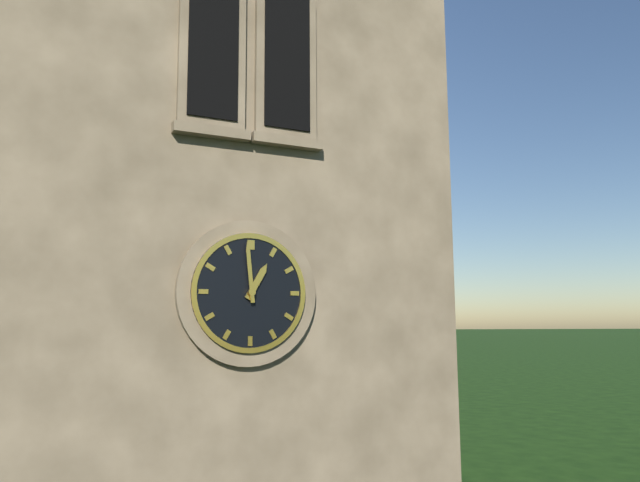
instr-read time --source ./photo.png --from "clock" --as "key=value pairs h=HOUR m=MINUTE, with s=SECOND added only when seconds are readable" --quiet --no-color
h=12 m=59
